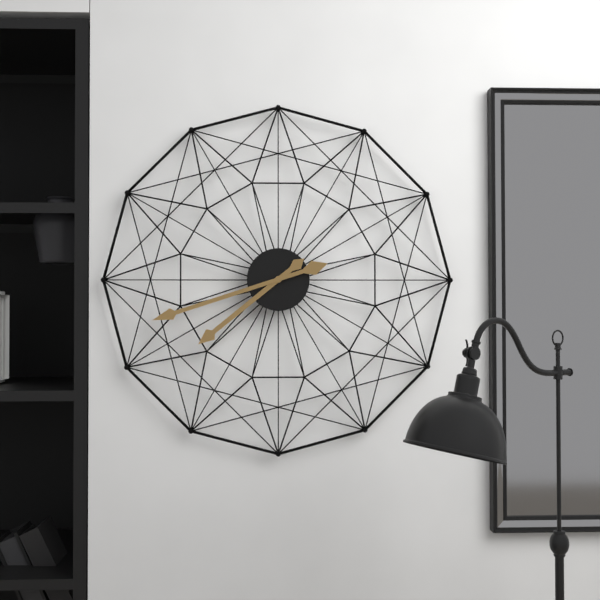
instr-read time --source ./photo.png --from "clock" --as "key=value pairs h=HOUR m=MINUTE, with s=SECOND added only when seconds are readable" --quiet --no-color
h=7 m=42
